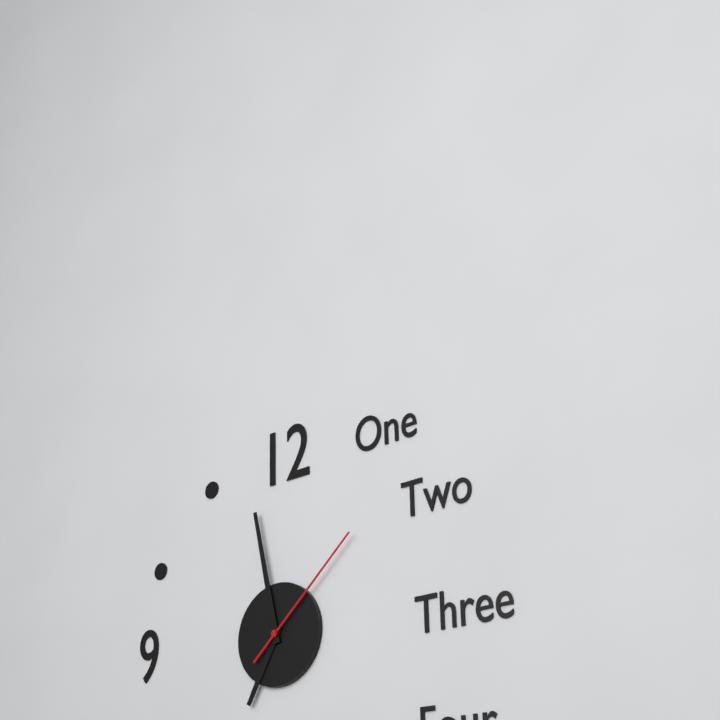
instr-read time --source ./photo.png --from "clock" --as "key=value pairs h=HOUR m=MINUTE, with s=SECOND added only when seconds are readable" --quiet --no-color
h=6 m=58 s=8
